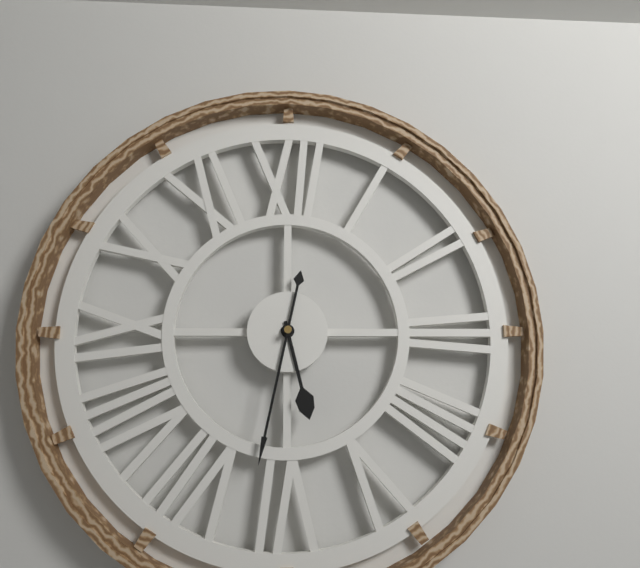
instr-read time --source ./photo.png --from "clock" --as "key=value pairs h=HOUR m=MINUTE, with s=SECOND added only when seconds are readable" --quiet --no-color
h=5 m=32
